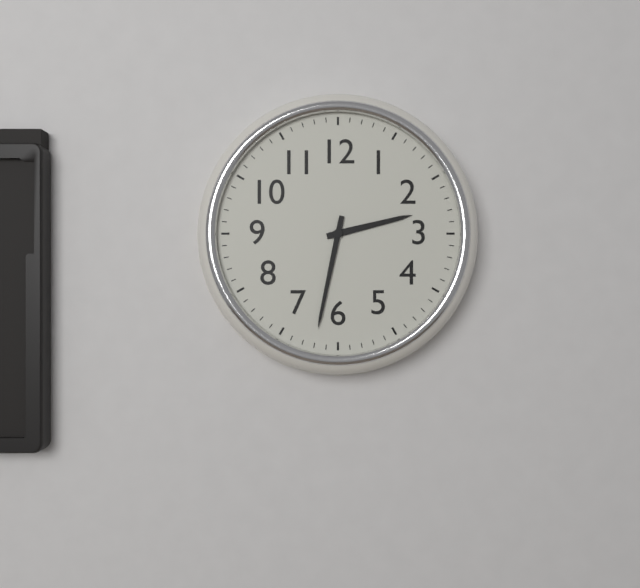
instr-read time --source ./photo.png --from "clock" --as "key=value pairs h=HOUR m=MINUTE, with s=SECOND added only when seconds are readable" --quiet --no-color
h=2 m=32
